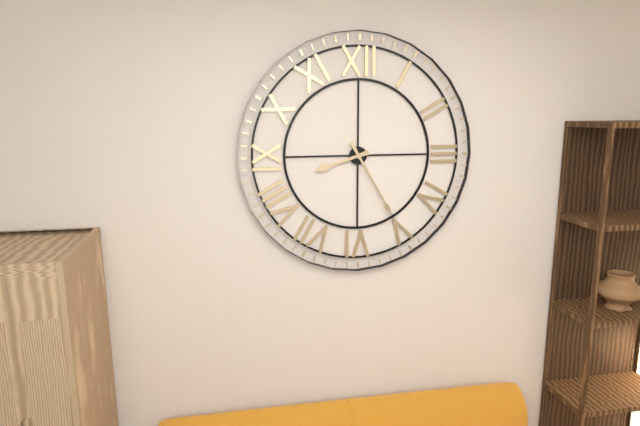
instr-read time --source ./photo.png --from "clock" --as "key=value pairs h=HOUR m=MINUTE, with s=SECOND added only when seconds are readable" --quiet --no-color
h=8 m=25
